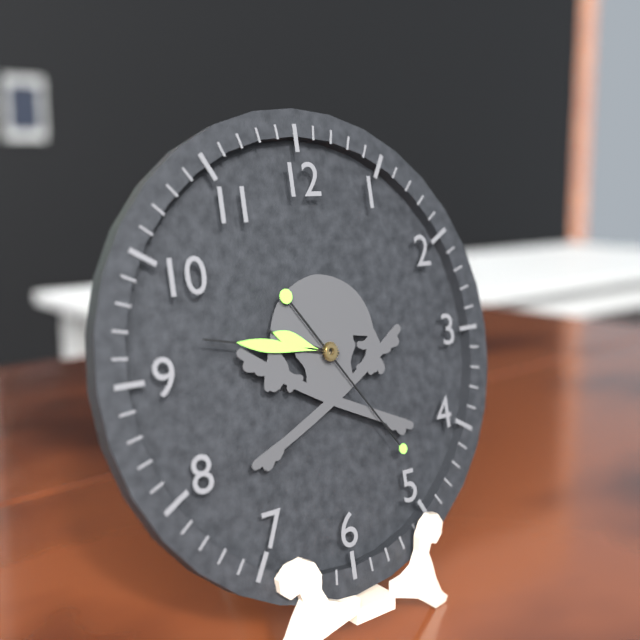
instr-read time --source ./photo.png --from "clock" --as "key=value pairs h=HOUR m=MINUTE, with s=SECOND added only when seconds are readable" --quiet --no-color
h=9 m=47 s=24
